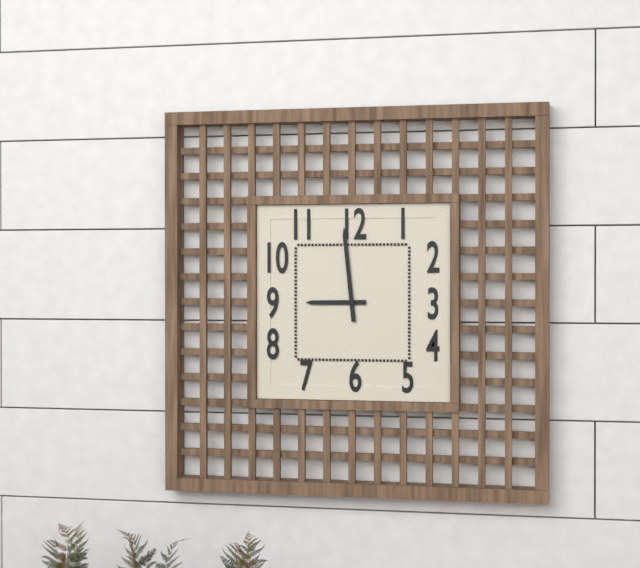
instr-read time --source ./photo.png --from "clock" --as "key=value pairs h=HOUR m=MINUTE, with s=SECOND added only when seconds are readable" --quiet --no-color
h=8 m=59
